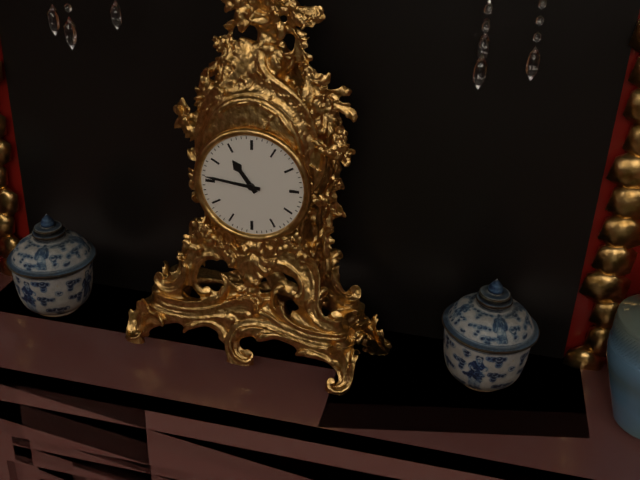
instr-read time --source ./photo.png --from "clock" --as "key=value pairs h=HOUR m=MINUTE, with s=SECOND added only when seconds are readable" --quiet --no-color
h=10 m=46
